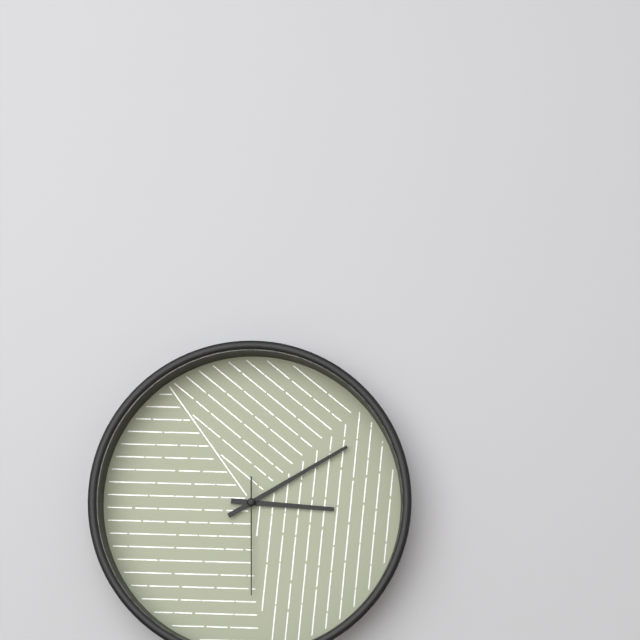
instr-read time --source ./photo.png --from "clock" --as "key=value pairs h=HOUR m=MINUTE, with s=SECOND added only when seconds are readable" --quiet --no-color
h=3 m=10 s=30
